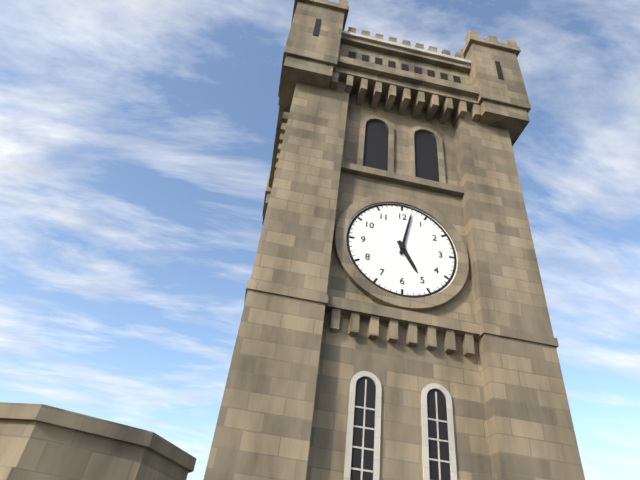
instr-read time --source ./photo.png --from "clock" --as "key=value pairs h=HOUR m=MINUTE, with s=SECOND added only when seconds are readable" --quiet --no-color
h=5 m=2
